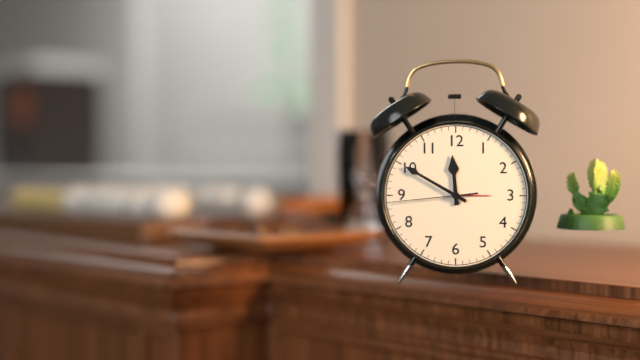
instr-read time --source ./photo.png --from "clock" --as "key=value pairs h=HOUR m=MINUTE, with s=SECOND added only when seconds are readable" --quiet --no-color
h=11 m=50 s=44
